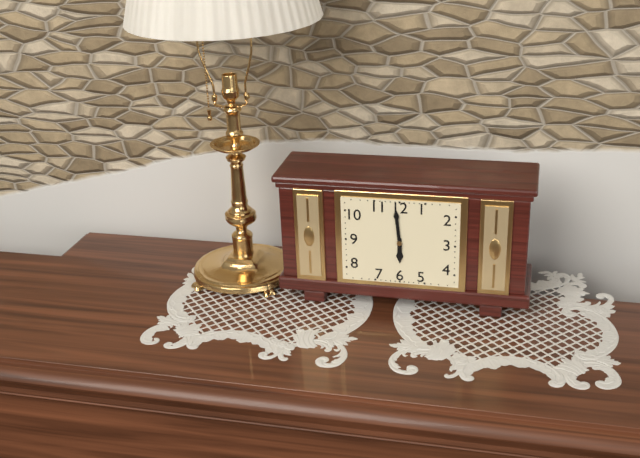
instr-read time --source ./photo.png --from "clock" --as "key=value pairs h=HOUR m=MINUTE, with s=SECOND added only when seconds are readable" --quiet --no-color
h=5 m=59
